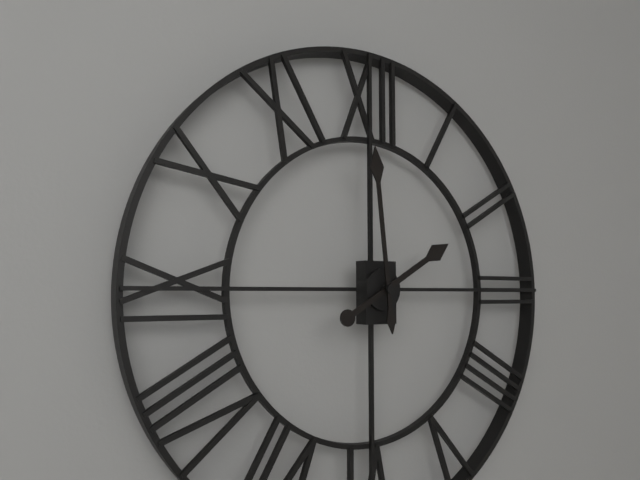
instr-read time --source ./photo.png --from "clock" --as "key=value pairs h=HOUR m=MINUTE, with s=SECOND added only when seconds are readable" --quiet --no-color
h=1 m=59
